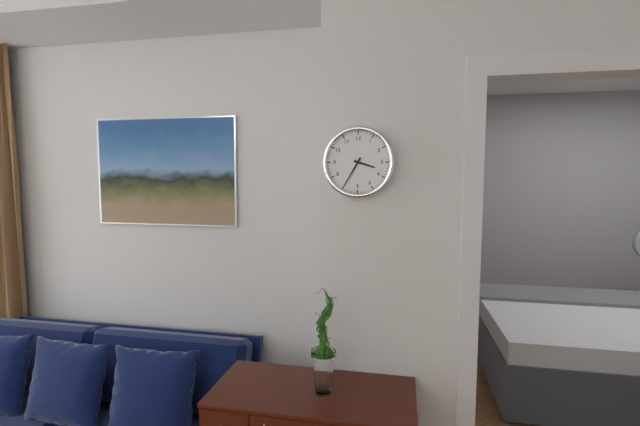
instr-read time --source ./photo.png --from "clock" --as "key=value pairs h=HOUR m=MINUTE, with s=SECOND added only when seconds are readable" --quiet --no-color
h=3 m=35
